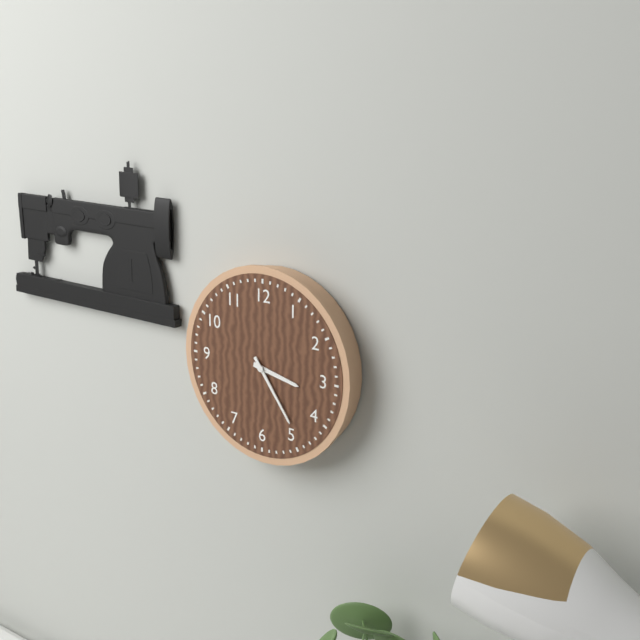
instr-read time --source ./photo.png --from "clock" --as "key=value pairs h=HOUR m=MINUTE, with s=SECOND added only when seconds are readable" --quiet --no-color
h=3 m=24
